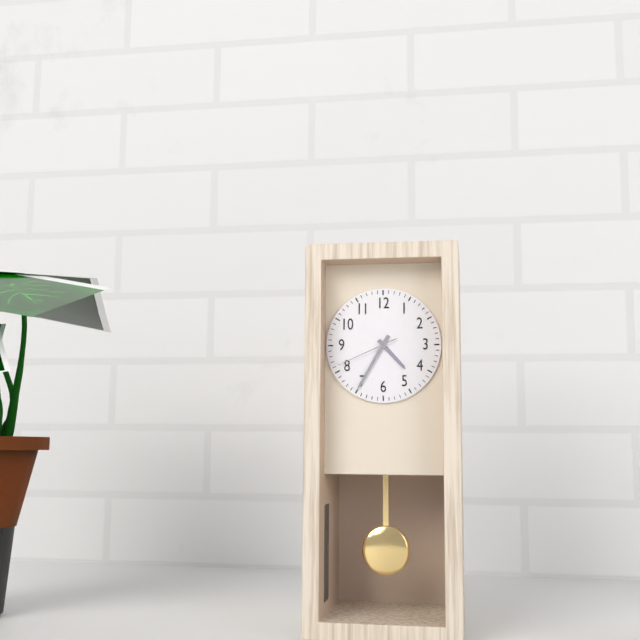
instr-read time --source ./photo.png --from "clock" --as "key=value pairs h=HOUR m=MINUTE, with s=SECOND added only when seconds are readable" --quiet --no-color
h=4 m=35 s=41
